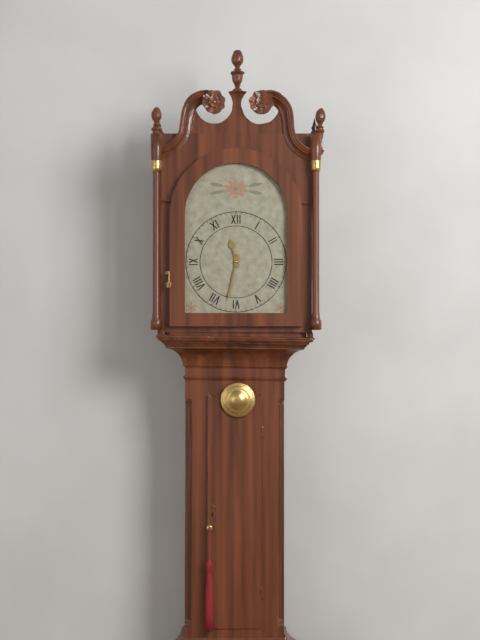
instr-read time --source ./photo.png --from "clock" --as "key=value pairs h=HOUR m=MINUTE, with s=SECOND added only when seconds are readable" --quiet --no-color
h=11 m=32
